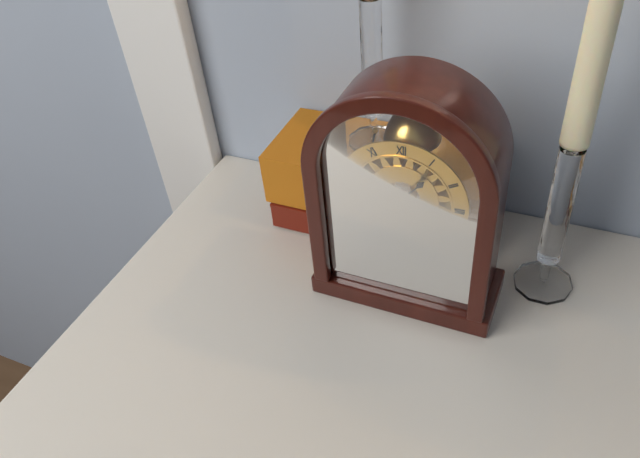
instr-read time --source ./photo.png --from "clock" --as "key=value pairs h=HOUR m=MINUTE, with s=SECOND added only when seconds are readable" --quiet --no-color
h=1 m=18
